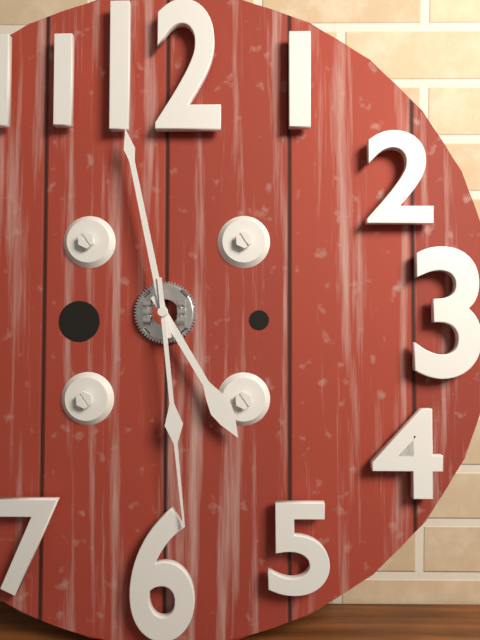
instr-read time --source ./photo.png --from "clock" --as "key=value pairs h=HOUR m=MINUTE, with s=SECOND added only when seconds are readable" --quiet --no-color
h=4 m=58 s=29
